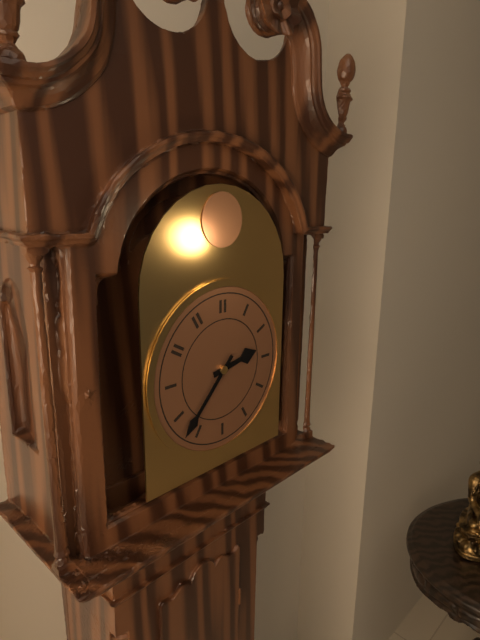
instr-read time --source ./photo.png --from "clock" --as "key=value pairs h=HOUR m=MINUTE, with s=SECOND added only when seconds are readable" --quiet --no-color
h=2 m=37
